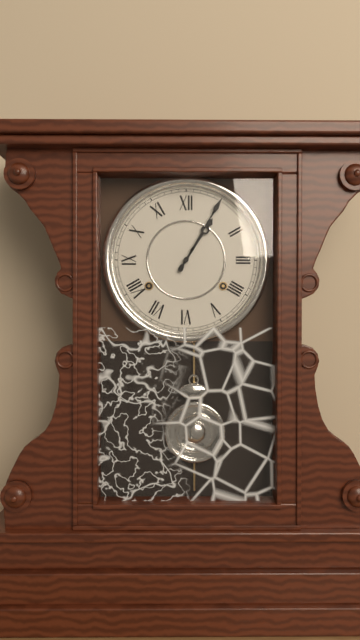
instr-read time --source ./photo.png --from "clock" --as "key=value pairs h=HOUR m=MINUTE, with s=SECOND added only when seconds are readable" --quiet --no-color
h=1 m=5
